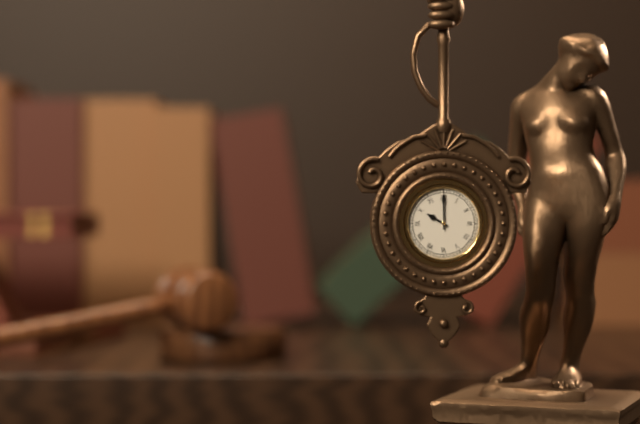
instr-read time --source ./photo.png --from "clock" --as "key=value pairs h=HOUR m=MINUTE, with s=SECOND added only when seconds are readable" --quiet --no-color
h=10 m=0
